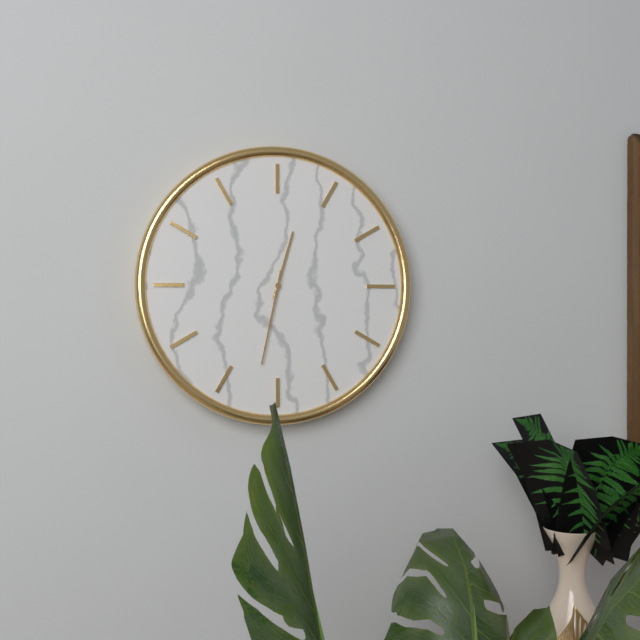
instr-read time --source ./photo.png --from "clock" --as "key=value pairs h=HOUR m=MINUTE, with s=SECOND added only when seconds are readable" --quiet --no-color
h=12 m=32
